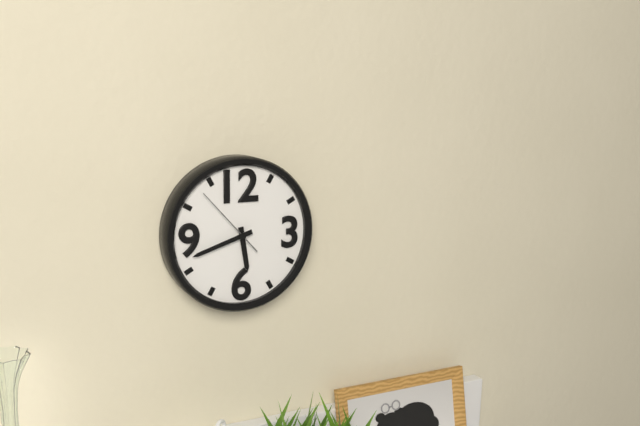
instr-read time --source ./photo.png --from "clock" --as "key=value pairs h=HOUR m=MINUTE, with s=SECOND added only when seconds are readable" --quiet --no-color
h=5 m=42 s=53
